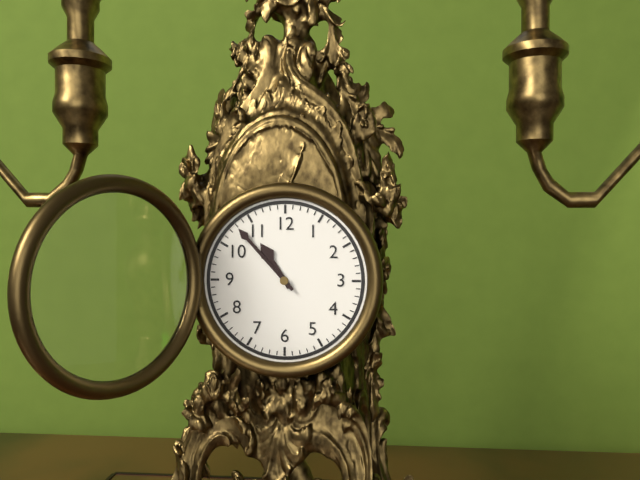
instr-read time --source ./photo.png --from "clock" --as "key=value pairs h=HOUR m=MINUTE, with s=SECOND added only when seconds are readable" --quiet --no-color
h=10 m=53
